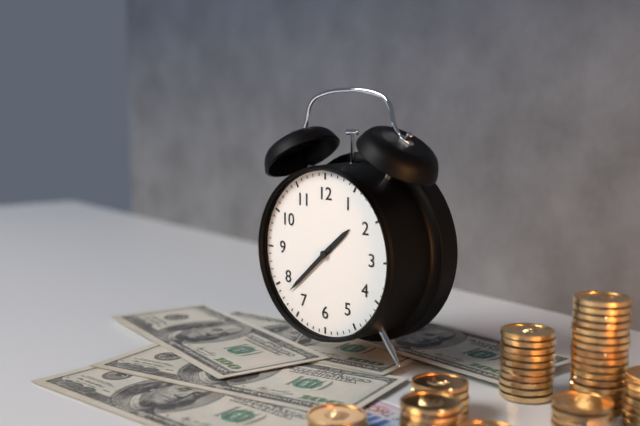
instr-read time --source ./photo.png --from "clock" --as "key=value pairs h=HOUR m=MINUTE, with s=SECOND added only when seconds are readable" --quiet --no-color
h=1 m=38
